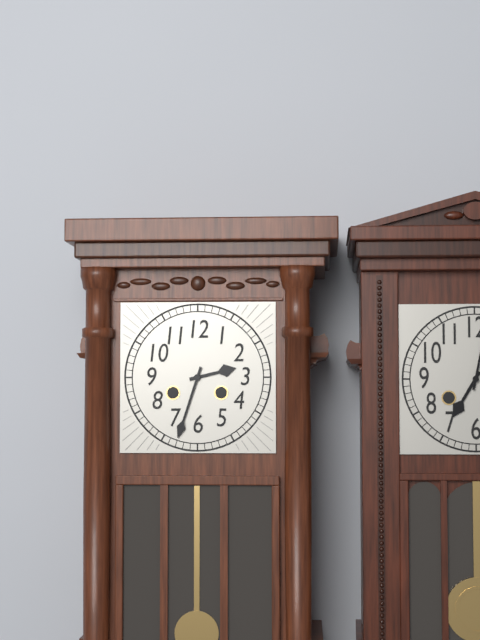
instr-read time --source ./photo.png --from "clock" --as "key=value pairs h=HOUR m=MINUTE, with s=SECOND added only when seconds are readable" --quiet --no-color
h=2 m=33
